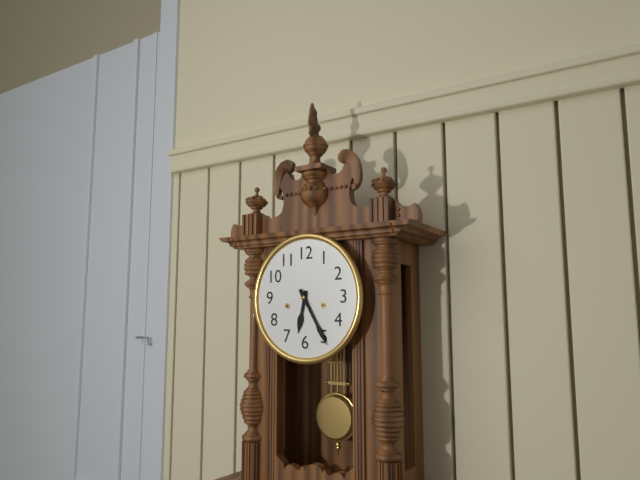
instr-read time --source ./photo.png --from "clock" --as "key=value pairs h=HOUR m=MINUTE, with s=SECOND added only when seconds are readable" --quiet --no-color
h=6 m=25
